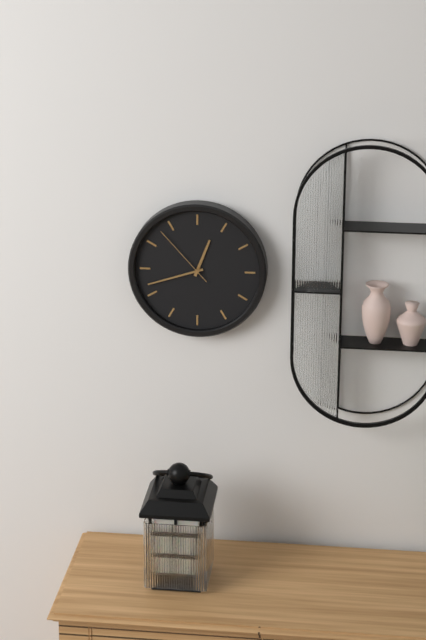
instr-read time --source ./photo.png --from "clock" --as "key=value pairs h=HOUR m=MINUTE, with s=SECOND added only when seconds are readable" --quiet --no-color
h=12 m=42 s=53
